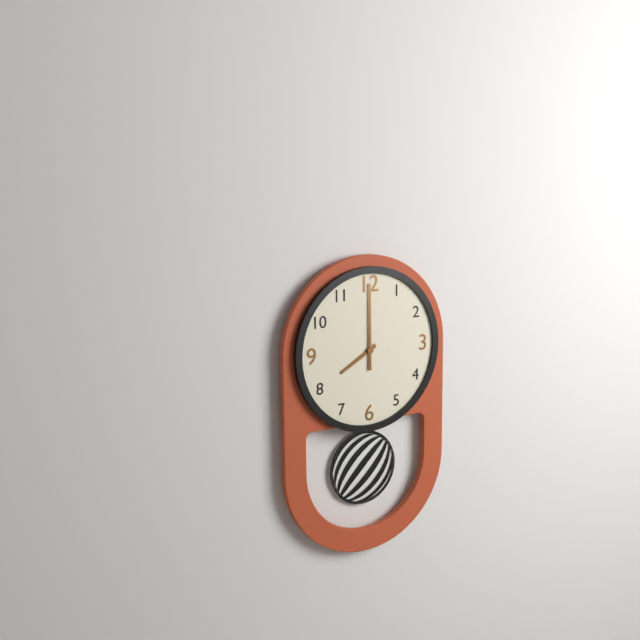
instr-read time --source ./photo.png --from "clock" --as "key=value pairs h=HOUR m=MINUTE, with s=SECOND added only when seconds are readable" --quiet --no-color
h=8 m=0
